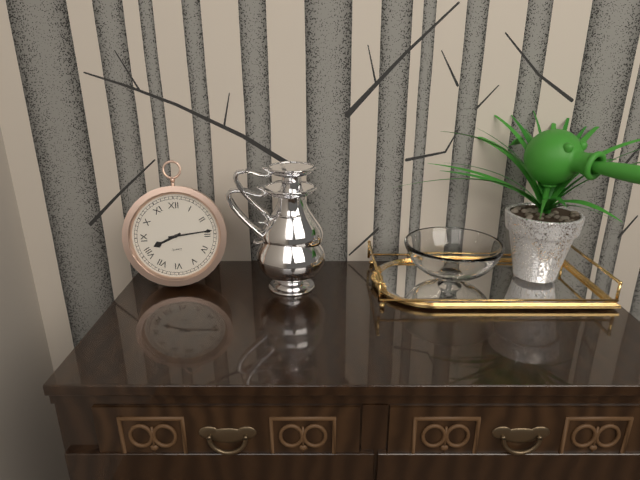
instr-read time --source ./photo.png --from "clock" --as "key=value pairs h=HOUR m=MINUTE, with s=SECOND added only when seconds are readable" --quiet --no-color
h=8 m=14
